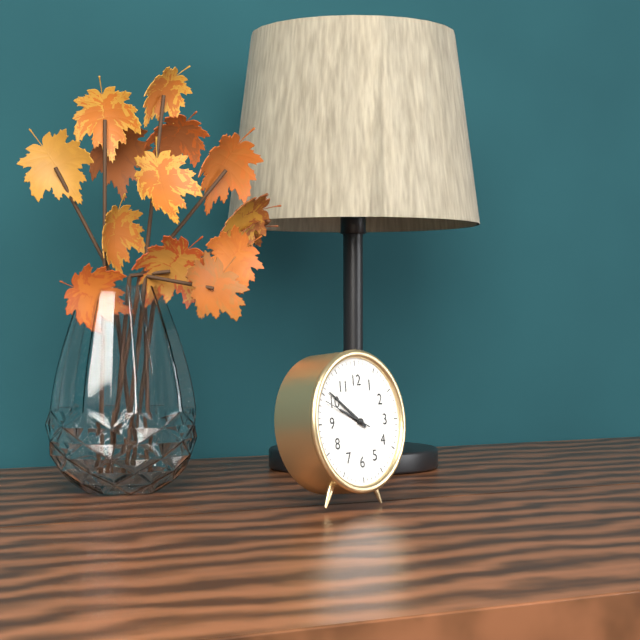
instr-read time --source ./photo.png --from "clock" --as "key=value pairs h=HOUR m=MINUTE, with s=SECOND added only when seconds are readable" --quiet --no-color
h=9 m=51 s=49
